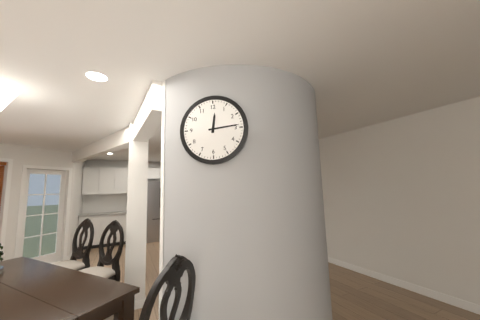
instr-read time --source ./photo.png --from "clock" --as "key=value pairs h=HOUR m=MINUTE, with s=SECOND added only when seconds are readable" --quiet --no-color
h=12 m=14
